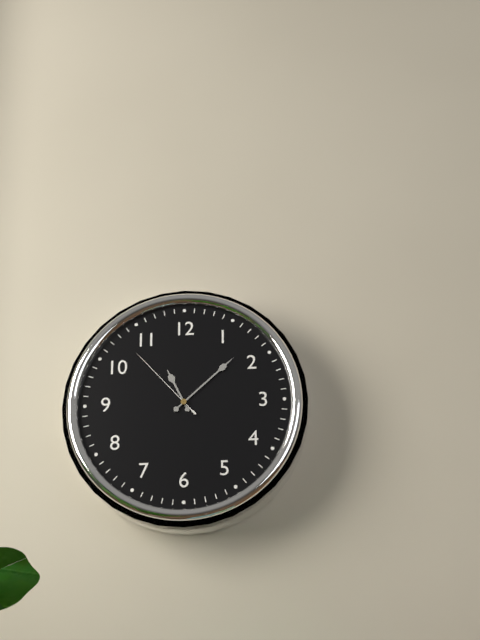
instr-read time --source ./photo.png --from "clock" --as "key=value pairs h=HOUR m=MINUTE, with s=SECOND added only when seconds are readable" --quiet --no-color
h=11 m=8 s=53
